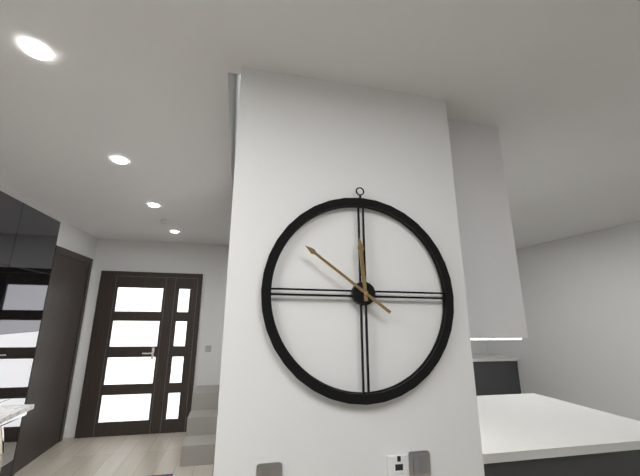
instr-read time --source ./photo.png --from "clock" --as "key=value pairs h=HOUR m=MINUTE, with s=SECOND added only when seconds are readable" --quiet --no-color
h=11 m=51
